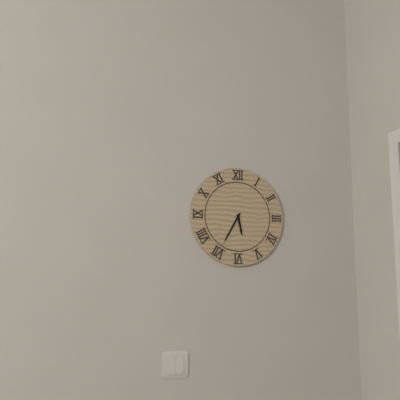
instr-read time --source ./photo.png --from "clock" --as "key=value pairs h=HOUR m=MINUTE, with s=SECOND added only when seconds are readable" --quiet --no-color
h=5 m=35
